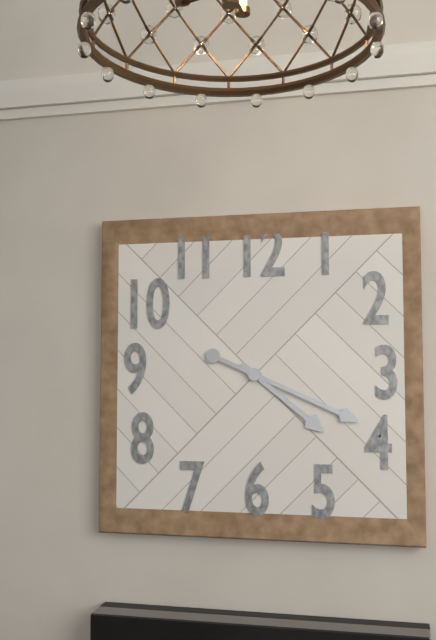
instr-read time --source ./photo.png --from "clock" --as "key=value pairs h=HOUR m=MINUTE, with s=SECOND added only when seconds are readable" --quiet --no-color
h=4 m=19
